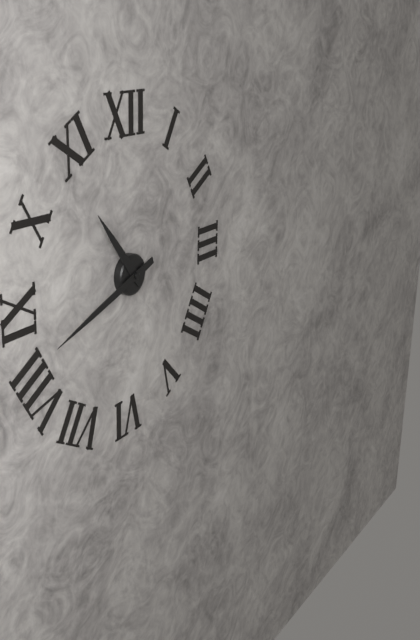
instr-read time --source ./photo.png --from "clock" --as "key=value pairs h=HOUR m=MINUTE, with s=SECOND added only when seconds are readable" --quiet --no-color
h=10 m=42
